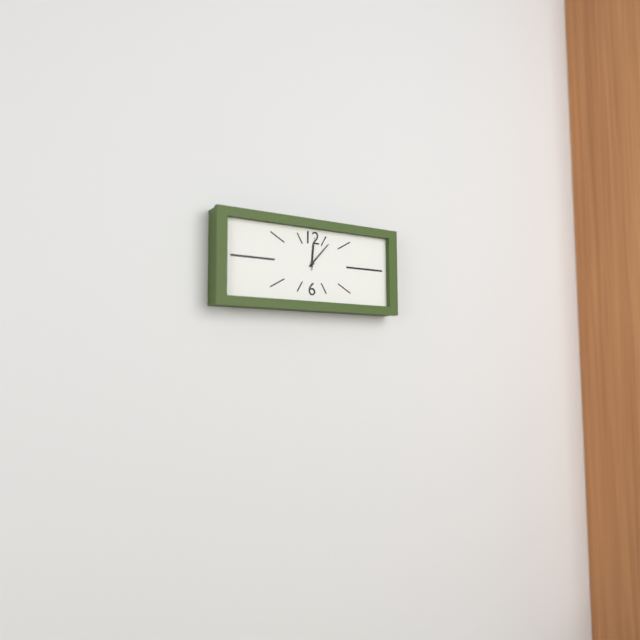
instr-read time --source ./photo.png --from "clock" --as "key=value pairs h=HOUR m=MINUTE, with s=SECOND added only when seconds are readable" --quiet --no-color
h=12 m=7
